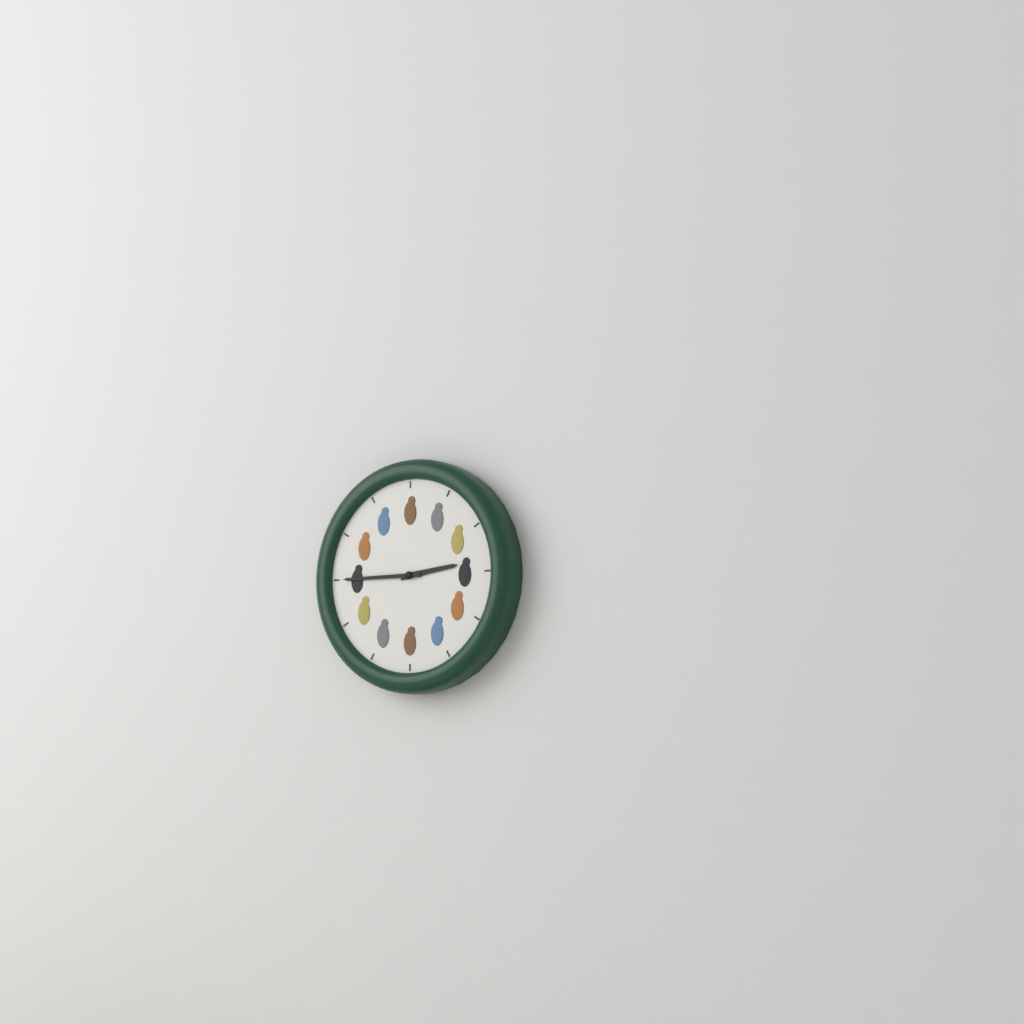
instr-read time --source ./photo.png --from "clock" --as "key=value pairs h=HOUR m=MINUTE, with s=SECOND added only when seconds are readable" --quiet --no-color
h=2 m=45
